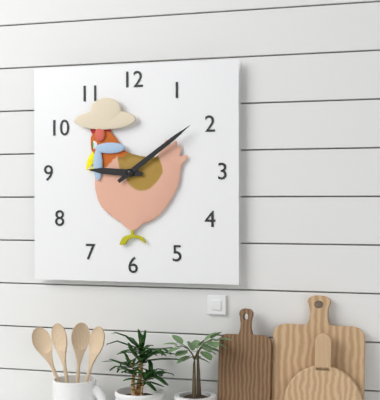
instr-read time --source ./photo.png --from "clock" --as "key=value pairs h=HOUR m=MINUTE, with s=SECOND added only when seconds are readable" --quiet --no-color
h=9 m=9
